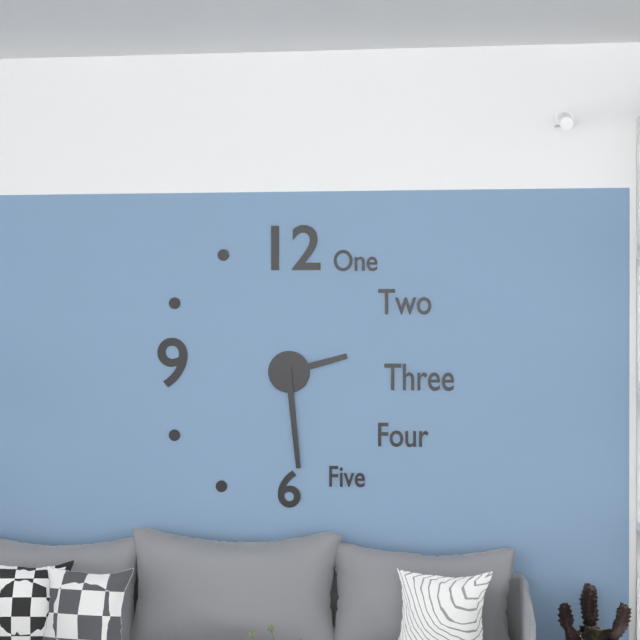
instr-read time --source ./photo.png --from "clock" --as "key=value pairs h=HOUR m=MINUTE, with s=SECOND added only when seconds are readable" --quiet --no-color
h=2 m=29
